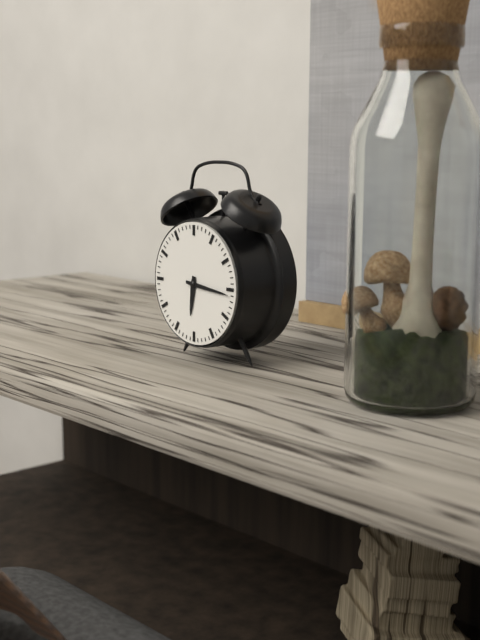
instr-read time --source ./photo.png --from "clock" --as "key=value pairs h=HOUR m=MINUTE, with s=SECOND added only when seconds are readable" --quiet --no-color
h=6 m=16
